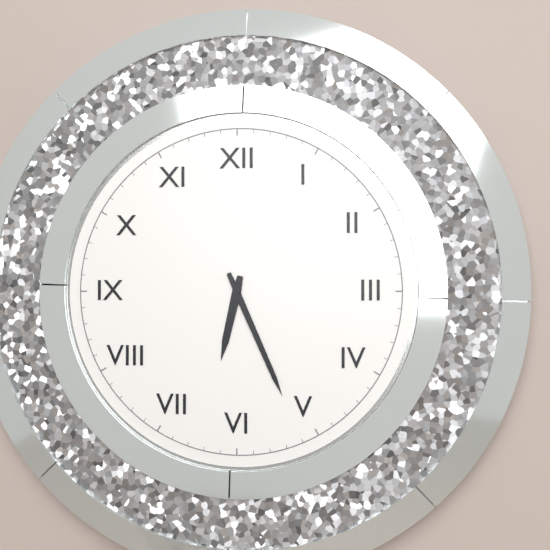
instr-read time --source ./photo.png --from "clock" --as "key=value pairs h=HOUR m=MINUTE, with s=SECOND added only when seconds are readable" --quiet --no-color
h=6 m=26
